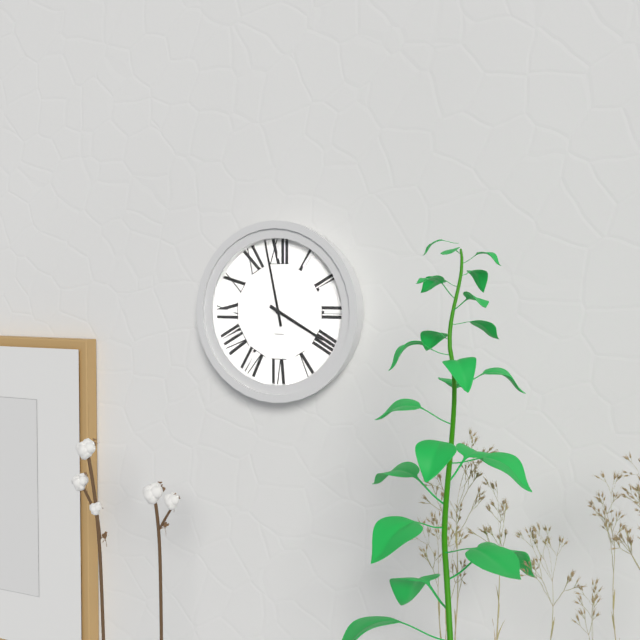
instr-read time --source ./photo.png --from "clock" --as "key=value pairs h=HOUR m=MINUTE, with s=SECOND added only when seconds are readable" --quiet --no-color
h=3 m=58
